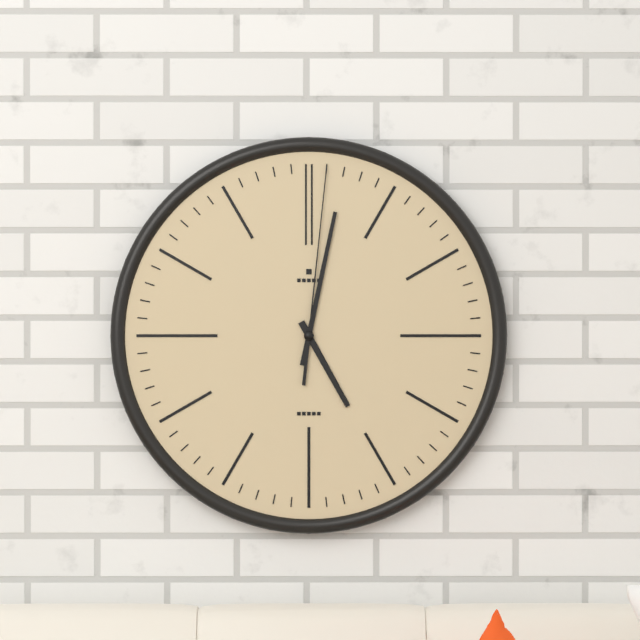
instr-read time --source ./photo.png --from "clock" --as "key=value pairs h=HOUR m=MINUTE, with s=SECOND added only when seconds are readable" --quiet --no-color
h=5 m=2 s=1
